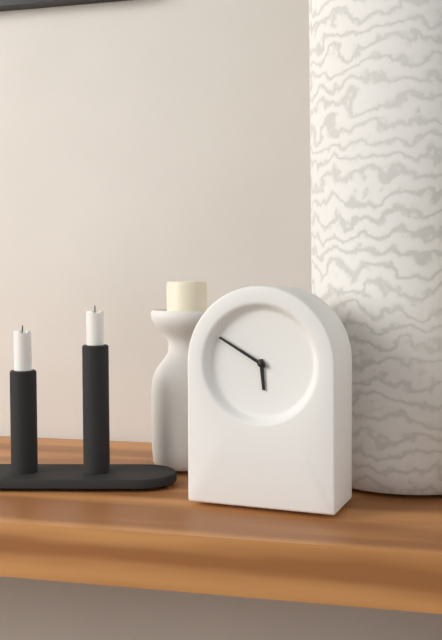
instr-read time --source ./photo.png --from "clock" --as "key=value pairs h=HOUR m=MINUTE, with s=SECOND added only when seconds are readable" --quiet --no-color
h=5 m=50
